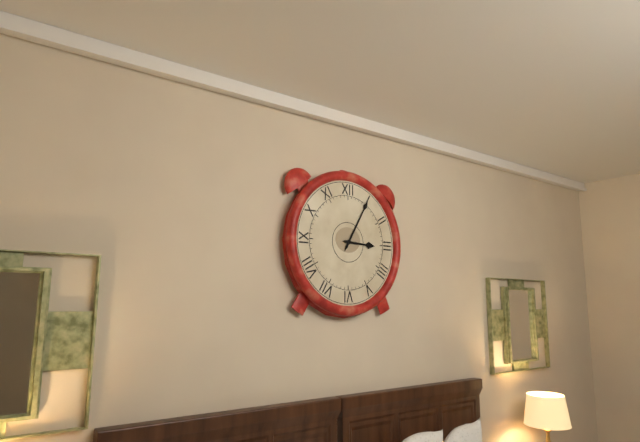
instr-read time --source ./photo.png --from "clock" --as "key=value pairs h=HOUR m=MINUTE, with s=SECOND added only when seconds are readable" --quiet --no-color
h=3 m=5
